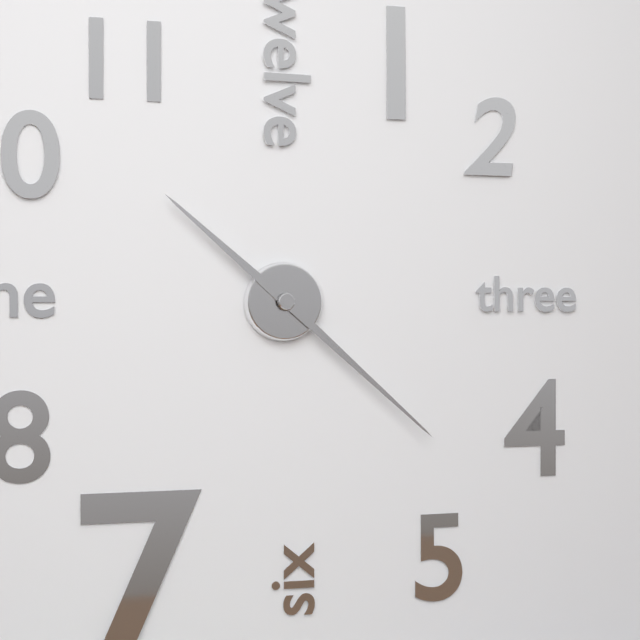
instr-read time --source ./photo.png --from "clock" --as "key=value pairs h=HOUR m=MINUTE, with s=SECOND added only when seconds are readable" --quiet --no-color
h=10 m=22
